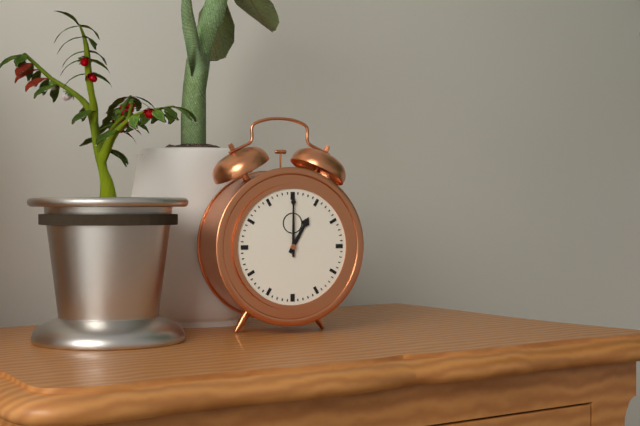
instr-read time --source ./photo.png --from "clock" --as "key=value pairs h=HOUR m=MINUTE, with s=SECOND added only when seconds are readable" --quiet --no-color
h=1 m=0
